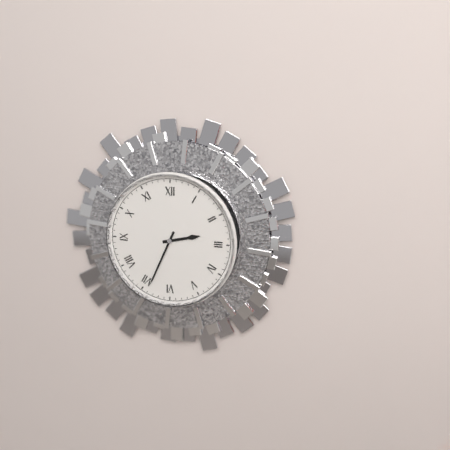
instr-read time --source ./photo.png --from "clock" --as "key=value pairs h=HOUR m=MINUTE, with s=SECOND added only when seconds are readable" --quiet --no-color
h=2 m=34
